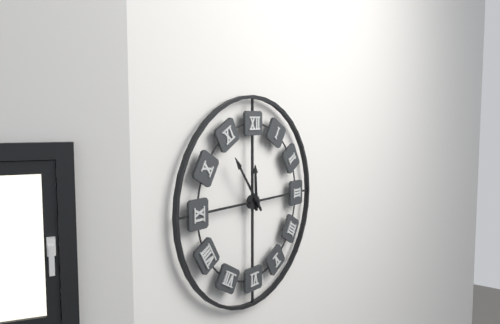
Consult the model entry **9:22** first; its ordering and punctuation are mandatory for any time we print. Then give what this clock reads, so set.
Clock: **11:54**
